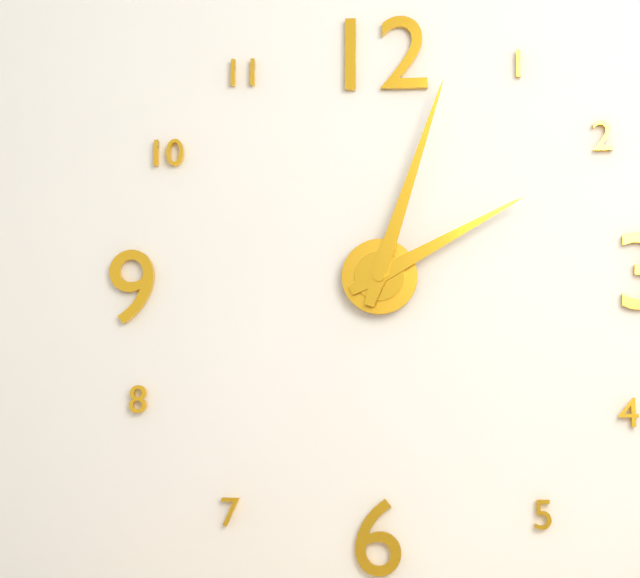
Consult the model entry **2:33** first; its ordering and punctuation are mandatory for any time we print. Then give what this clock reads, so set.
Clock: **2:03**
